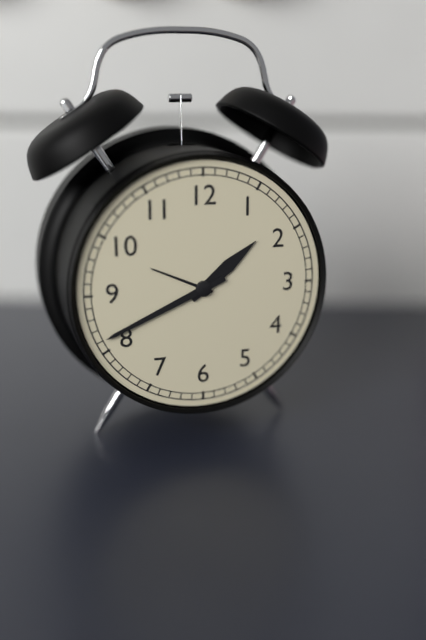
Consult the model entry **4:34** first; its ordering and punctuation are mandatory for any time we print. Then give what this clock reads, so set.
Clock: **1:41**
